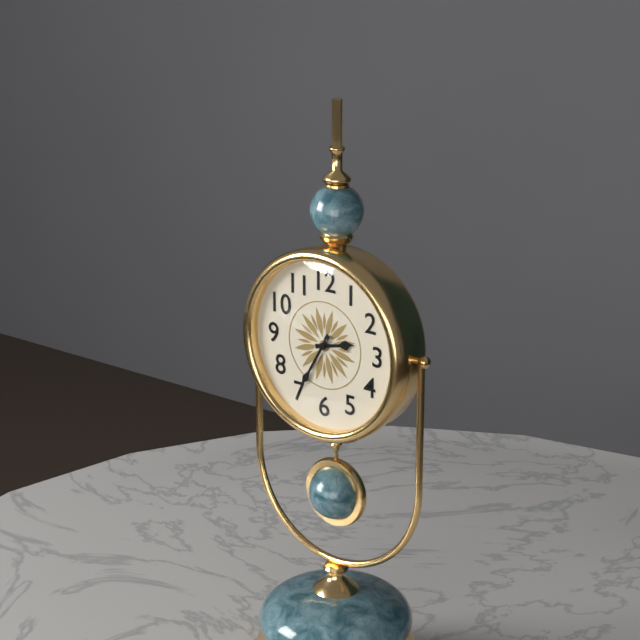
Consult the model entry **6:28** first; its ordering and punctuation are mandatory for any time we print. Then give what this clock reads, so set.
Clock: **2:35**
